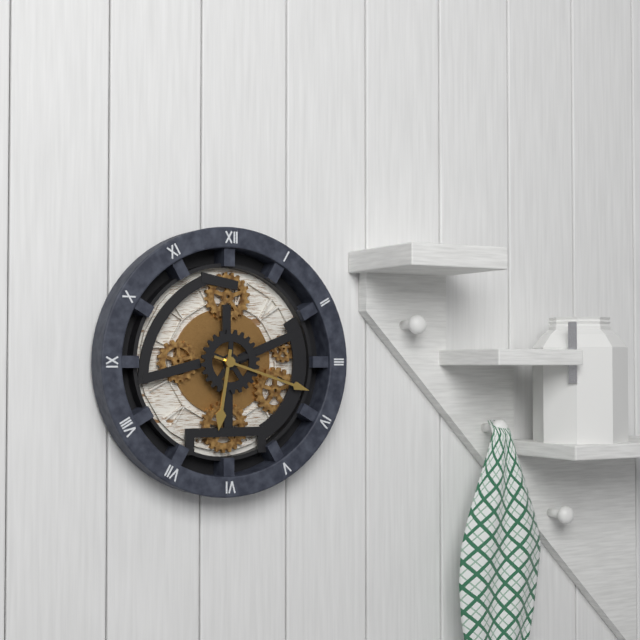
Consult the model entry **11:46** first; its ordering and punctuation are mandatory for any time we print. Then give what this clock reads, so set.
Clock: **6:18**
